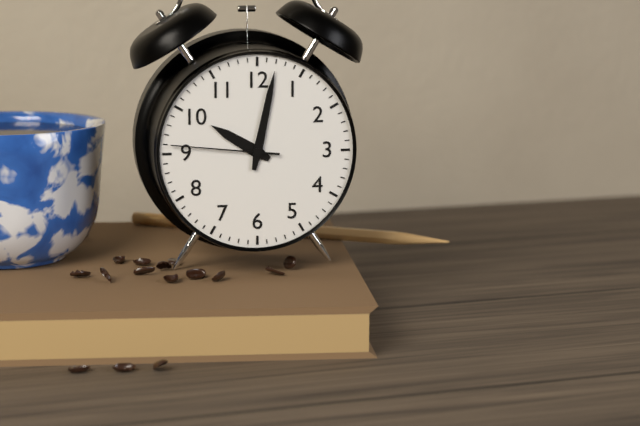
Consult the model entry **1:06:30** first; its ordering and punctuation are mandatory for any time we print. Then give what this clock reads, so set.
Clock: **10:02:46**
